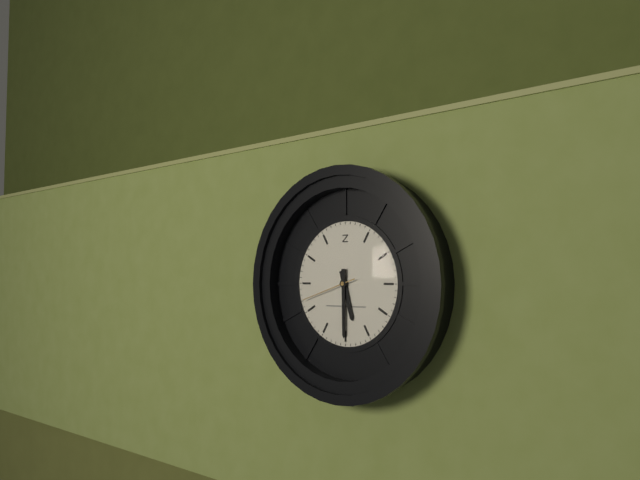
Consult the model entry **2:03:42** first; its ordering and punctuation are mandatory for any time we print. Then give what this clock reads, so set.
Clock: **5:30:42**
